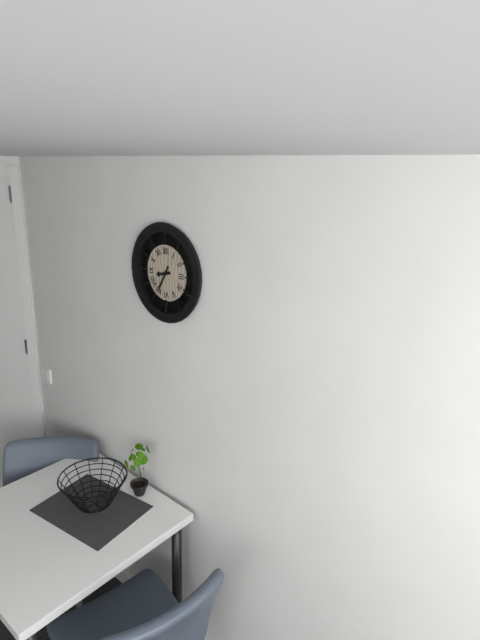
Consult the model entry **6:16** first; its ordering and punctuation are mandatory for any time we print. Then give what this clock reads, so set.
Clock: **8:35**
